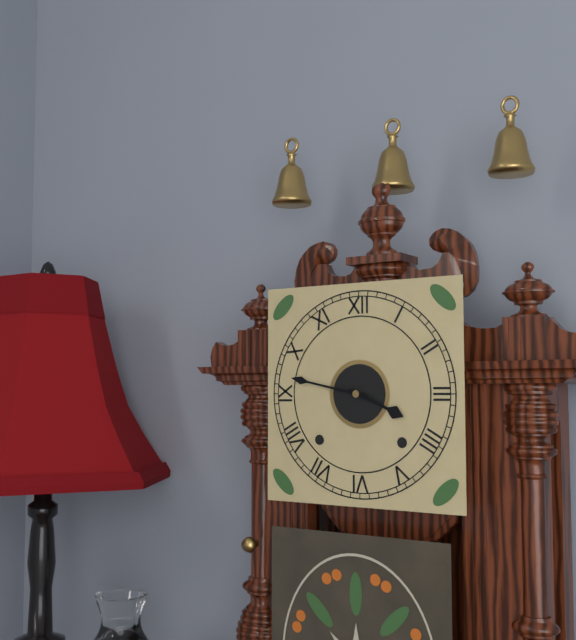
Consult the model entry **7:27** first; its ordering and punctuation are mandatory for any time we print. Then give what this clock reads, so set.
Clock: **3:47**
